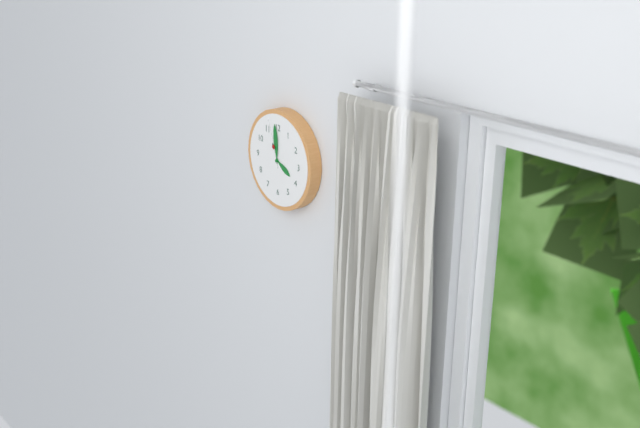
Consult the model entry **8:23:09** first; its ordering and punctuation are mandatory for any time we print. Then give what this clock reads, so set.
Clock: **3:59:57**
